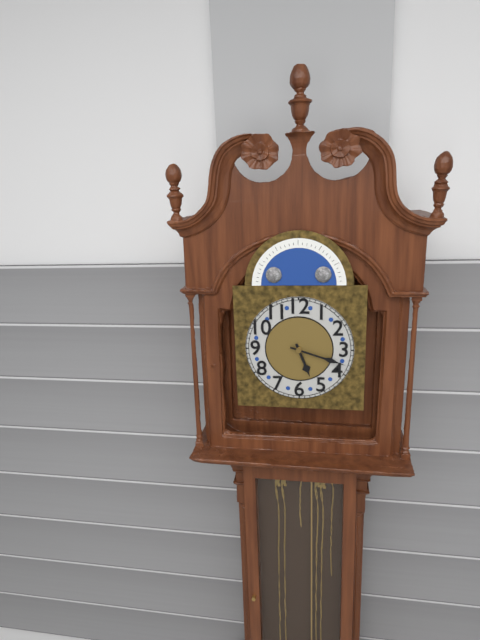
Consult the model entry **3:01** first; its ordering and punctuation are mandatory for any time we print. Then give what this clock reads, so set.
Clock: **5:18**
